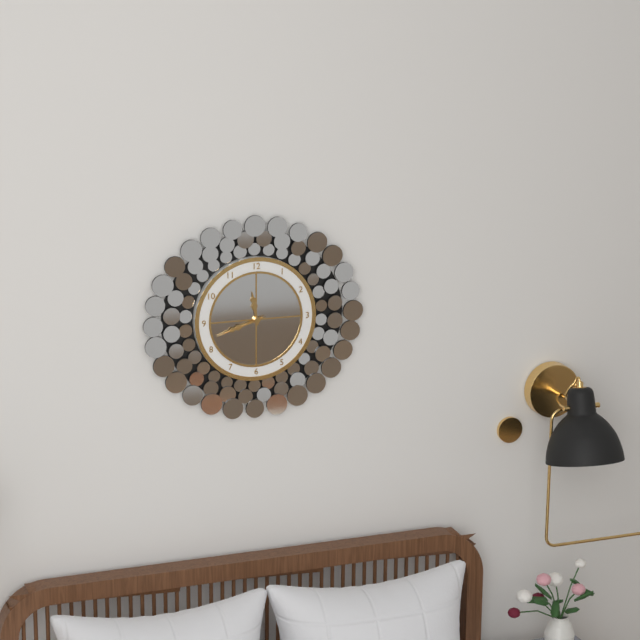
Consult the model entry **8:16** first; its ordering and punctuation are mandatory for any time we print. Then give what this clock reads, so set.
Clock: **11:42**
